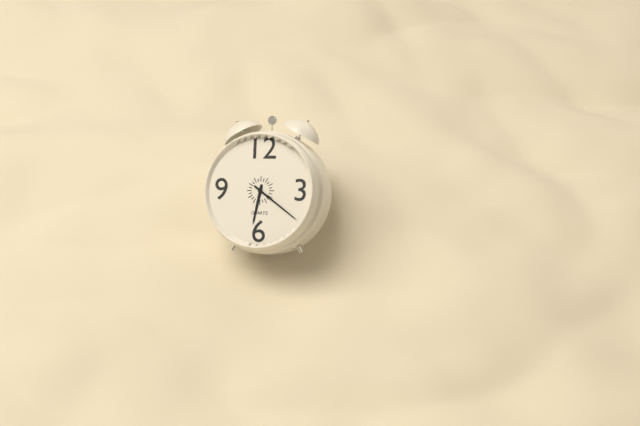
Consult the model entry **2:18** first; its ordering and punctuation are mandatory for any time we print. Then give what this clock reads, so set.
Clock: **6:21**
